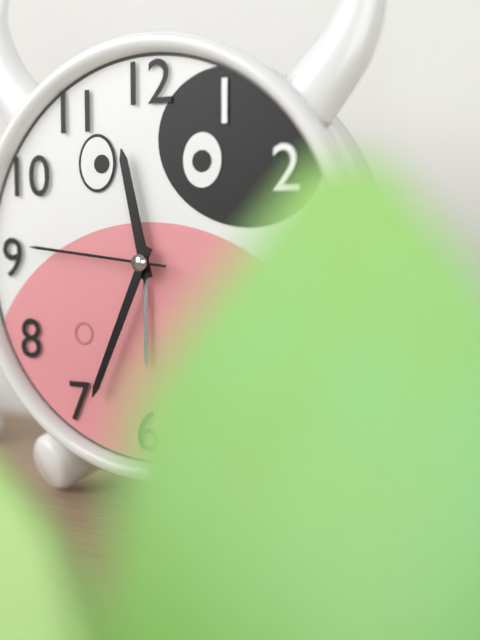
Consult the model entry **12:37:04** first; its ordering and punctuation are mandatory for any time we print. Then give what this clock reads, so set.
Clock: **11:34:46**
